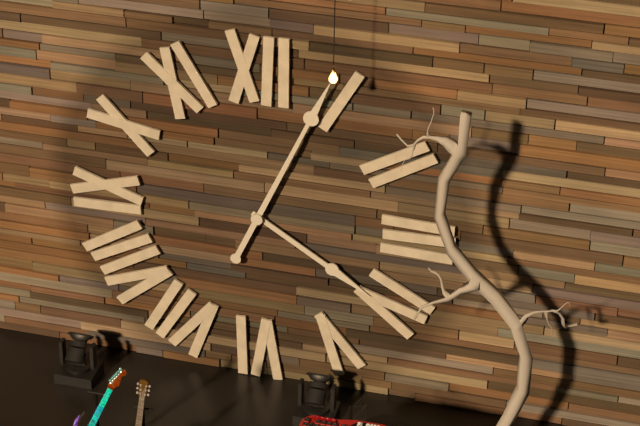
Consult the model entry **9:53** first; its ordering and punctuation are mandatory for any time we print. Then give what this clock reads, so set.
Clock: **4:04**
